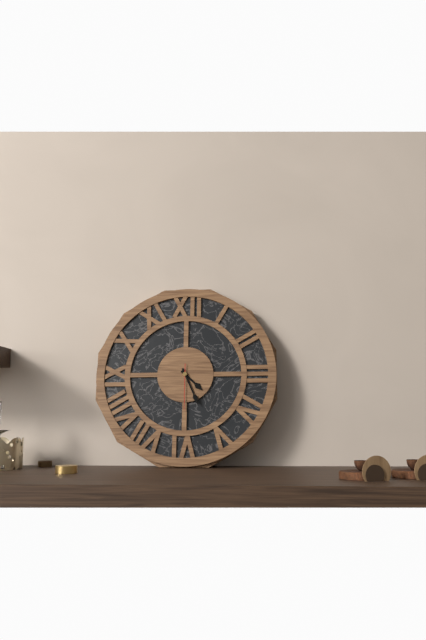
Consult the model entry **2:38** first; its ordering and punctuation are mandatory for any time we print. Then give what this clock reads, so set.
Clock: **4:26**
